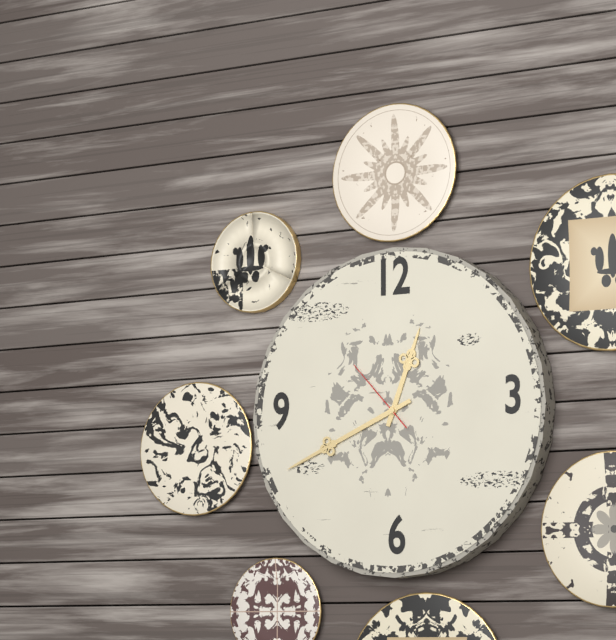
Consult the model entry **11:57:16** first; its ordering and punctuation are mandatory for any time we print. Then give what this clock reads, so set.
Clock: **12:41:53**
